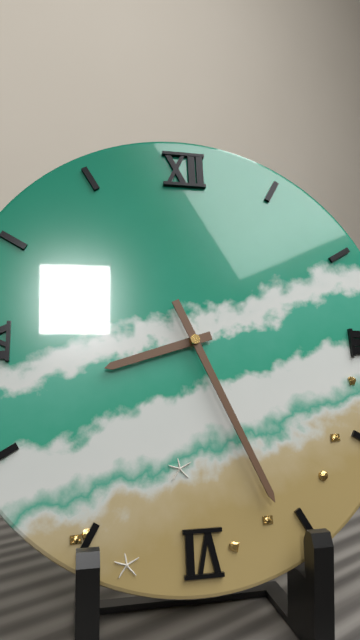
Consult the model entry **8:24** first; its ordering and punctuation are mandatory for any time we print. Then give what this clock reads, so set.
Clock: **8:26**
